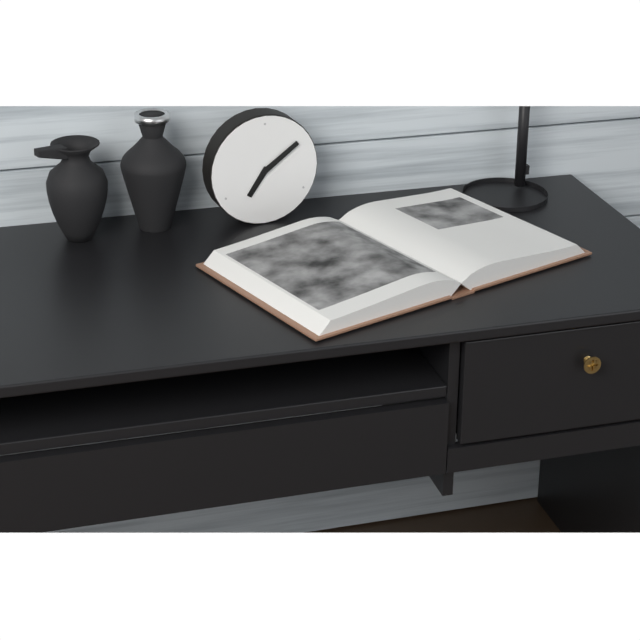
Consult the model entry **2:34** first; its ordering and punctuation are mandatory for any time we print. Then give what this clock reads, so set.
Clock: **7:09**
